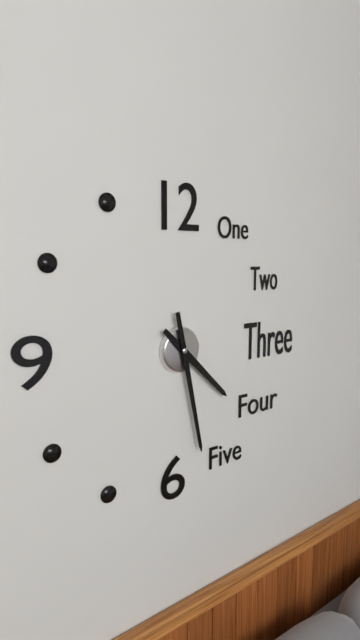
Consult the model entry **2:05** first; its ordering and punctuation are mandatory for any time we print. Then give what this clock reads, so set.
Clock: **4:28**
